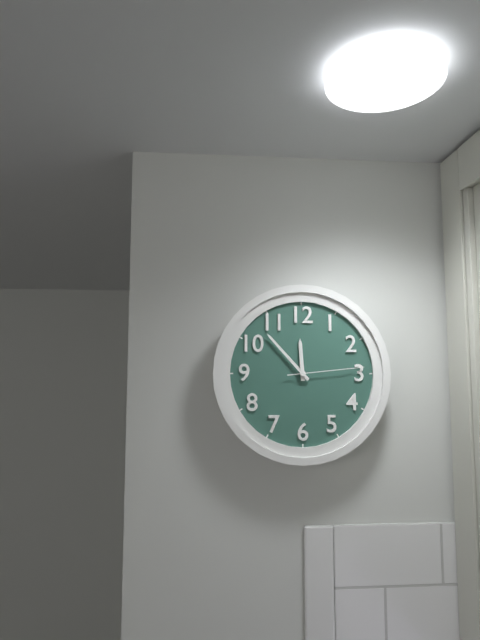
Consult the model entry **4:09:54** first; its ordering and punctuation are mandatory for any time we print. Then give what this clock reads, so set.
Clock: **11:53:14**
